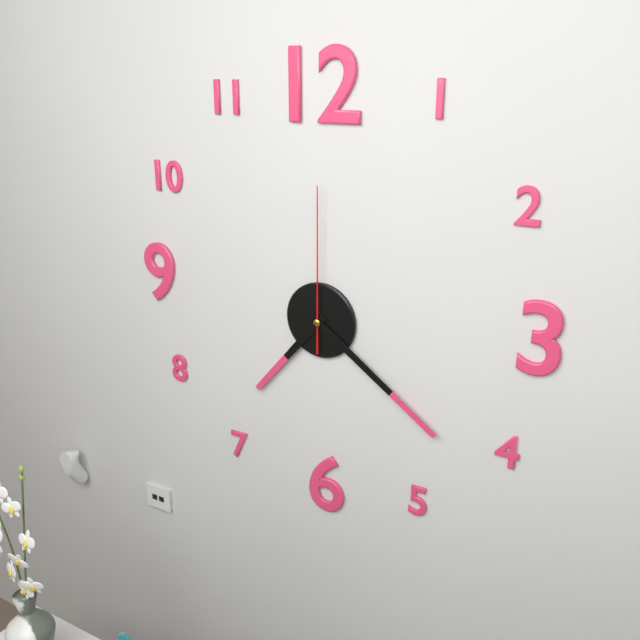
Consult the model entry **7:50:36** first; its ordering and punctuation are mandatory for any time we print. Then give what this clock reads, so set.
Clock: **7:21:00**
